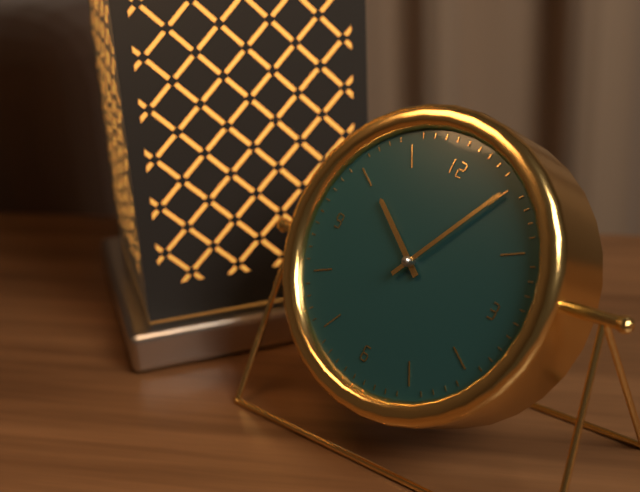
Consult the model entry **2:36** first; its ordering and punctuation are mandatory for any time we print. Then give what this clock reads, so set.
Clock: **10:05**
